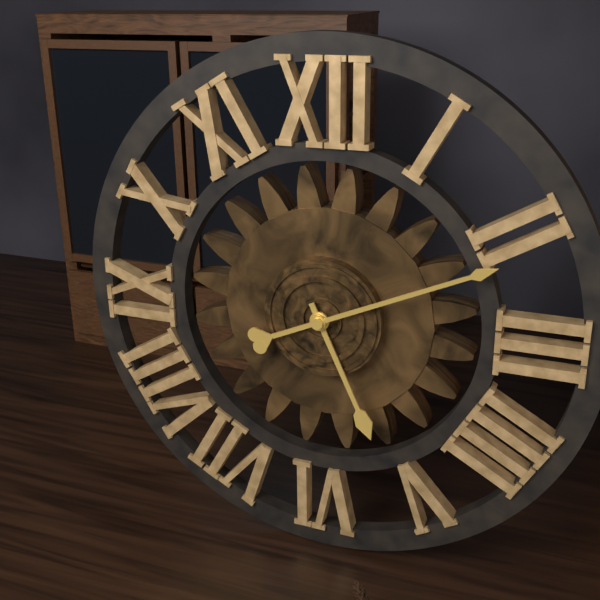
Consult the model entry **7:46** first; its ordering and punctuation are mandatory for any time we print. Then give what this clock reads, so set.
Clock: **5:11**
